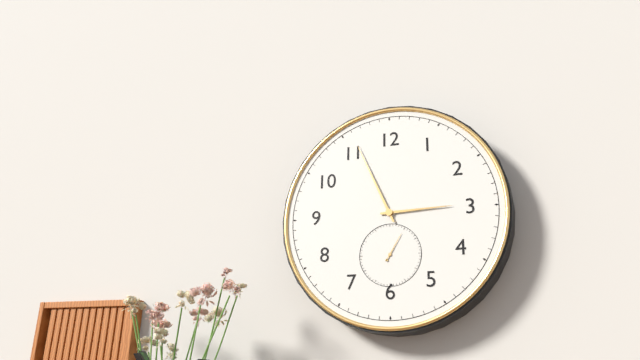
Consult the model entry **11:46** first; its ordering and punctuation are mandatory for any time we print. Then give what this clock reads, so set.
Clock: **2:56**
